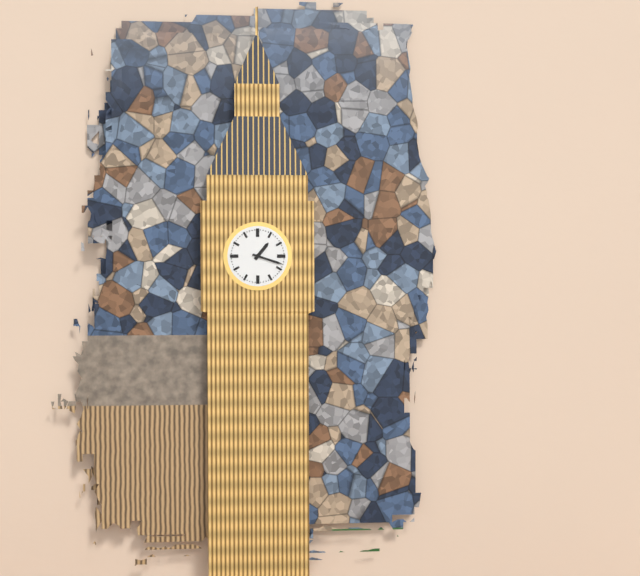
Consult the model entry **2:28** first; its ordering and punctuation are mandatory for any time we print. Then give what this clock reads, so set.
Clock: **1:18**
